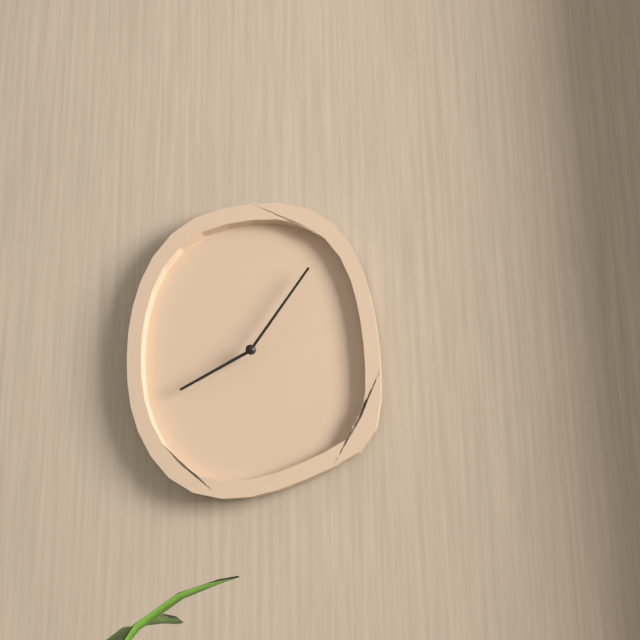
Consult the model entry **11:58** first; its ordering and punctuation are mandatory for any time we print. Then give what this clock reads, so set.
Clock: **8:06**
